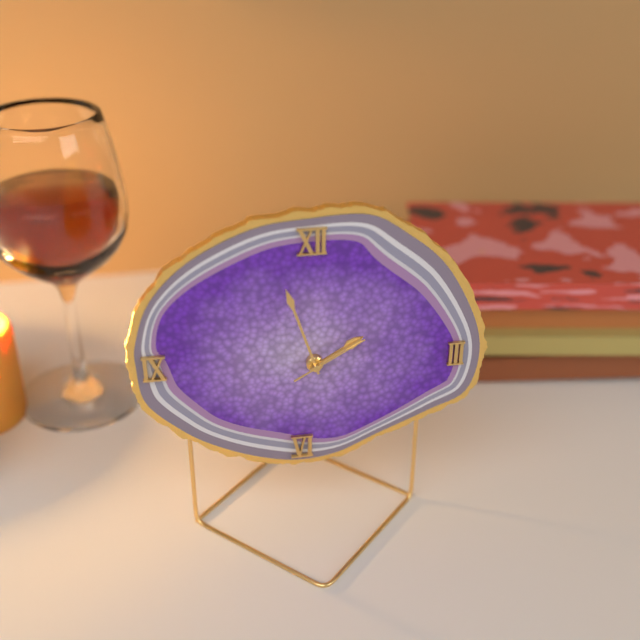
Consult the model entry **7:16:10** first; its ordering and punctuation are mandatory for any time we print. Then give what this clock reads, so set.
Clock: **1:57:10**
